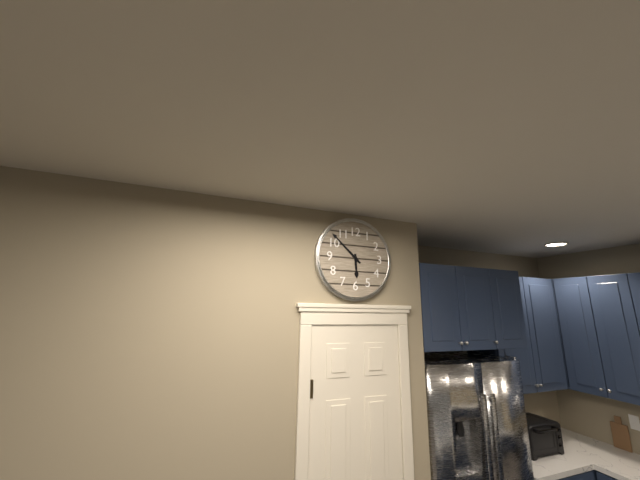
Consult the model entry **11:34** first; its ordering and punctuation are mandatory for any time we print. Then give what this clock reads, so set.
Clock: **5:52**
